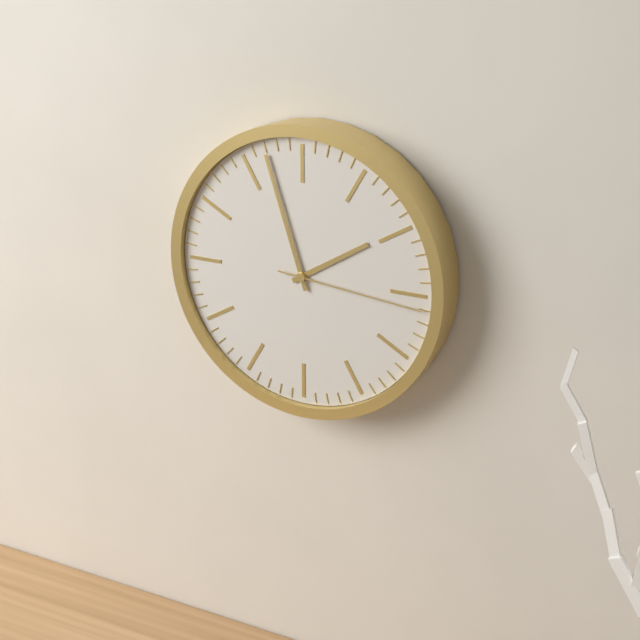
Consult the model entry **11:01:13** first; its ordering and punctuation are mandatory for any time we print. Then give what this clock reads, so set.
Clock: **1:57:16**
